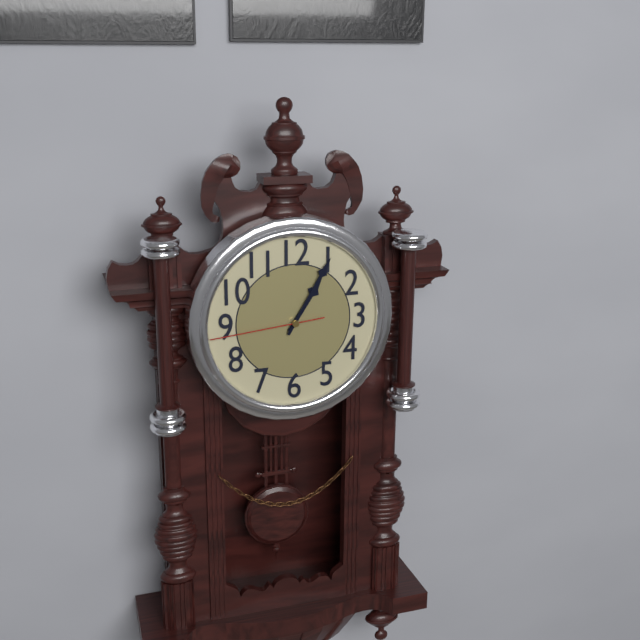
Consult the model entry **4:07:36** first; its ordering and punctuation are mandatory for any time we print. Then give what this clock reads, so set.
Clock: **1:05:44**
